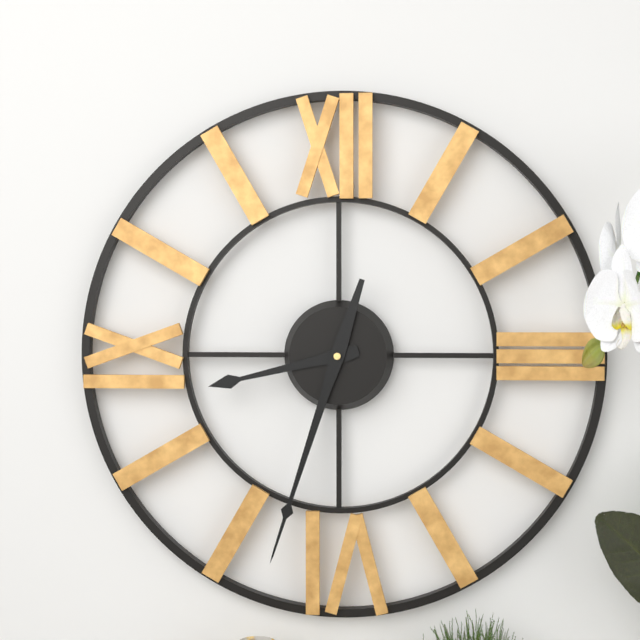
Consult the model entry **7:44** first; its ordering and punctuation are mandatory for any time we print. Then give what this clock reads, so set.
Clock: **8:33**
